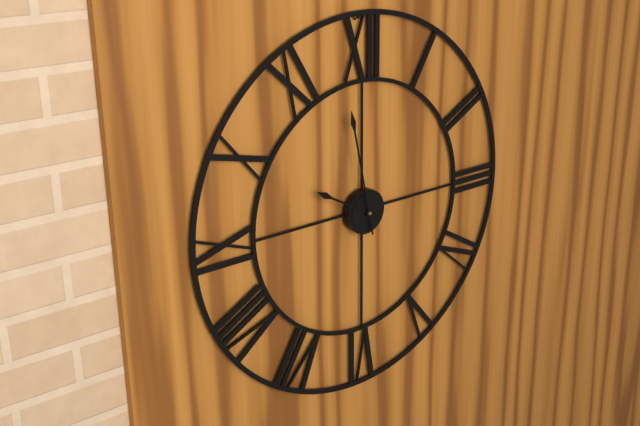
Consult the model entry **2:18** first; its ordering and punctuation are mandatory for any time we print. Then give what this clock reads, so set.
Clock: **9:58**
